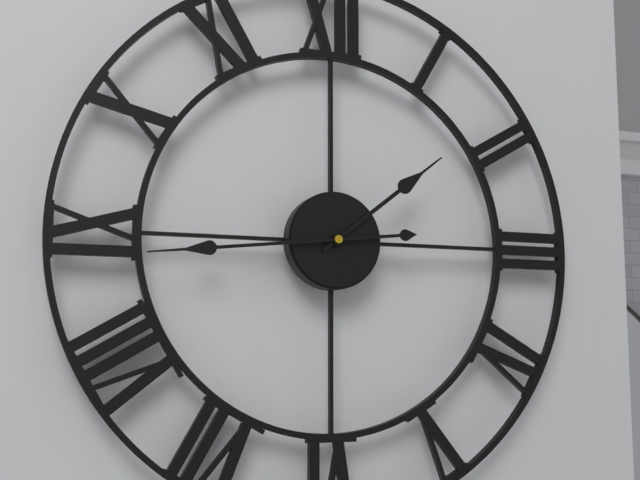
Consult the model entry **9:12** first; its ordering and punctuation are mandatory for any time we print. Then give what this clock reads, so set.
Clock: **1:44**
